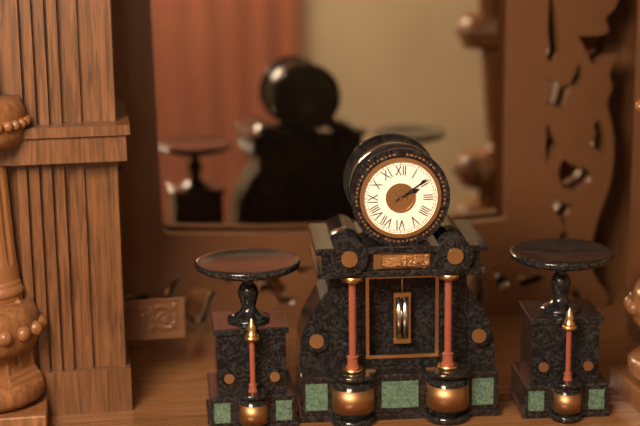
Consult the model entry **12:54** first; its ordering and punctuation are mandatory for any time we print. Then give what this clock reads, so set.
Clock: **2:09**
